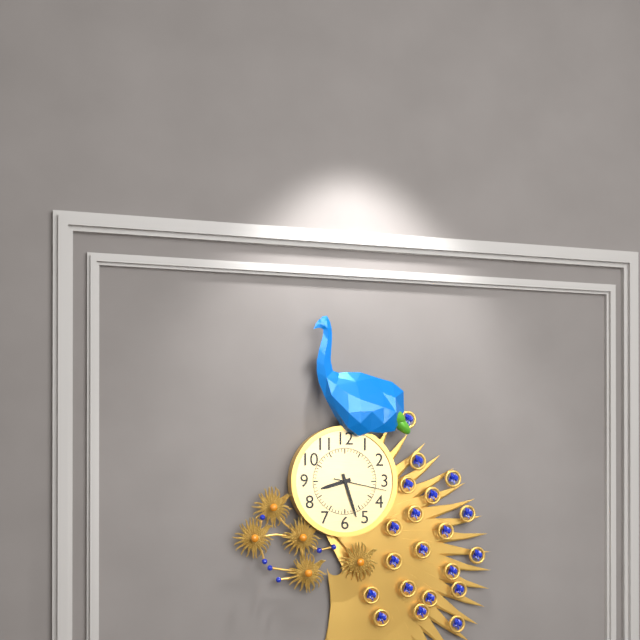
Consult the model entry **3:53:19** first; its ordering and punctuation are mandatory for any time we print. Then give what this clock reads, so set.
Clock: **8:27:17**
